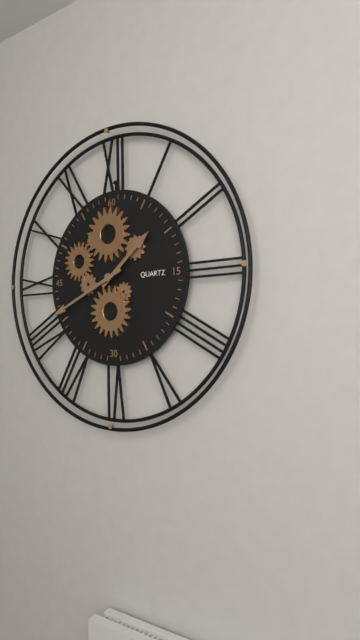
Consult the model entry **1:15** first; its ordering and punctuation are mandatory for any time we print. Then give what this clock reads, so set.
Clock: **1:41**
